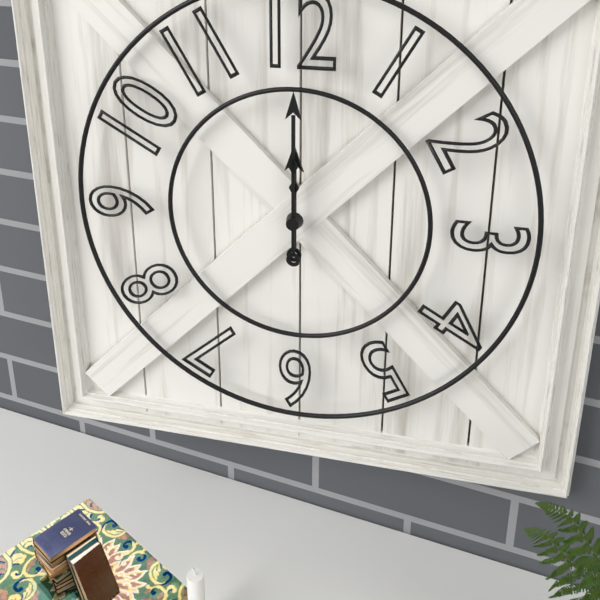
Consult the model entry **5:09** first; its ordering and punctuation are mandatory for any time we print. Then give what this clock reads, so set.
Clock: **12:00**
